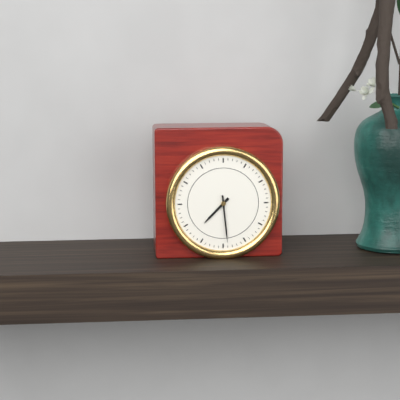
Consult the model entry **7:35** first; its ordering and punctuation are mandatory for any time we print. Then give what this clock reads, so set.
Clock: **7:29**
